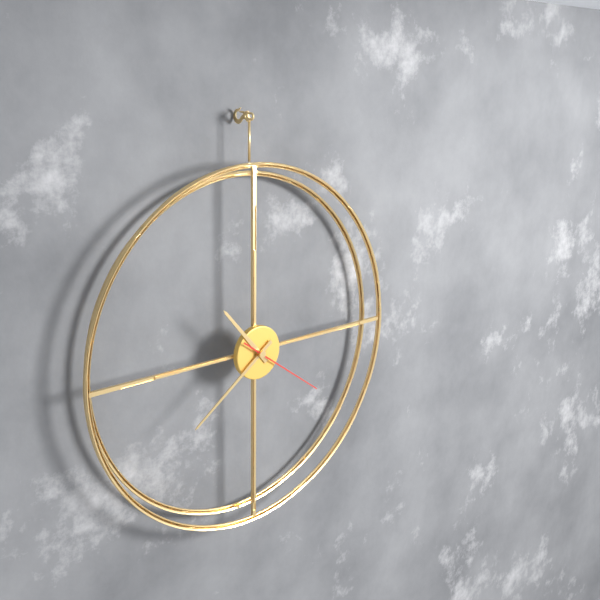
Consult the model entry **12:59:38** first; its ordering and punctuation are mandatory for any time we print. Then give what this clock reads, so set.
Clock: **10:39:21**
